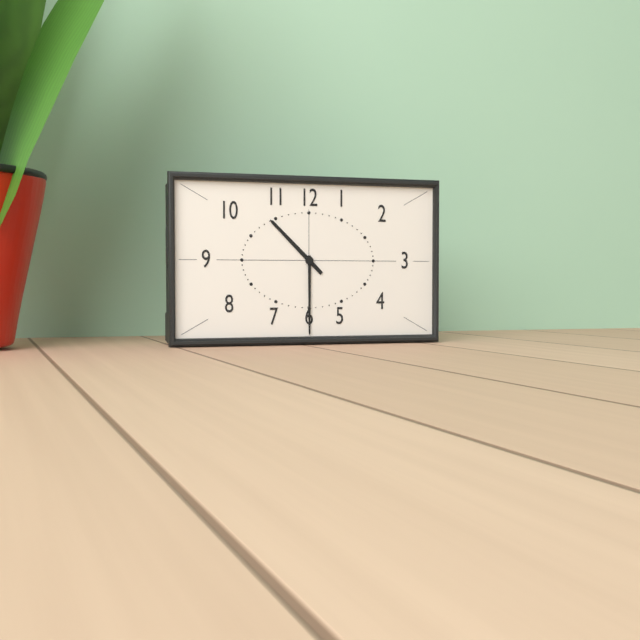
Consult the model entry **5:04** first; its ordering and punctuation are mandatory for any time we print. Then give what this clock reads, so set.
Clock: **10:30**
